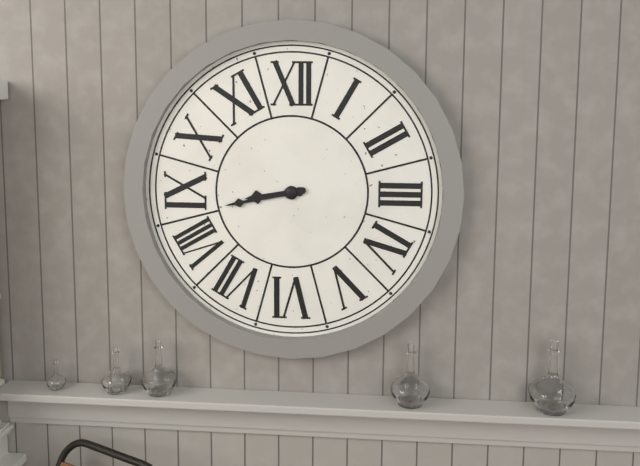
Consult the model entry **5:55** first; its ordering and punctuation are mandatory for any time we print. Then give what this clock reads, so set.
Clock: **8:43**
